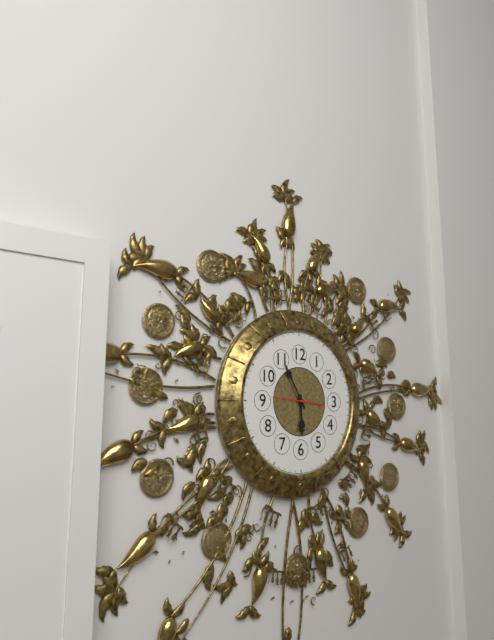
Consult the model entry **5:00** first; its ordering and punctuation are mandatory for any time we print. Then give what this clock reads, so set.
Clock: **5:55**
